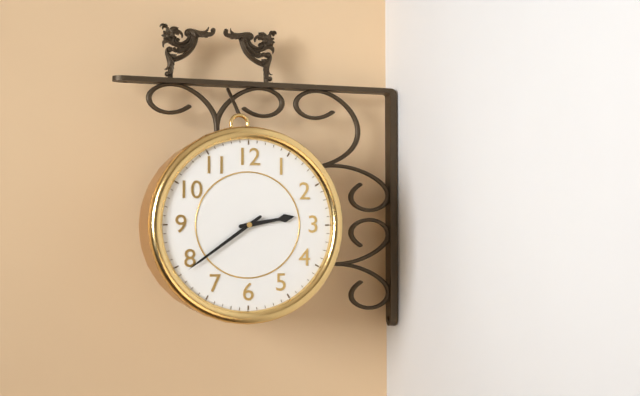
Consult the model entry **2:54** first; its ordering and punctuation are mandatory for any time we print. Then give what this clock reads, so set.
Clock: **2:39**
